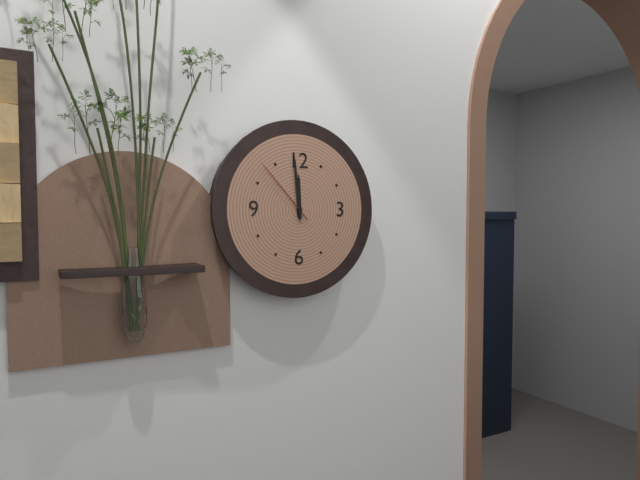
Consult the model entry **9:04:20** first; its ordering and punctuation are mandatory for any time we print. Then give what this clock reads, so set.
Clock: **11:59:53**
